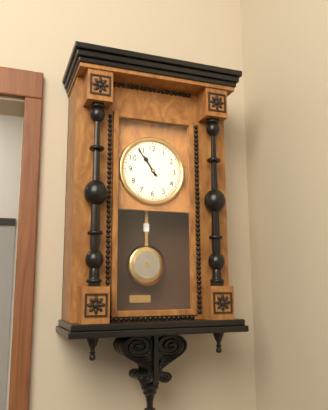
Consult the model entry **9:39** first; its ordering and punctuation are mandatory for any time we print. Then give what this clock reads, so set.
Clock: **10:54**
